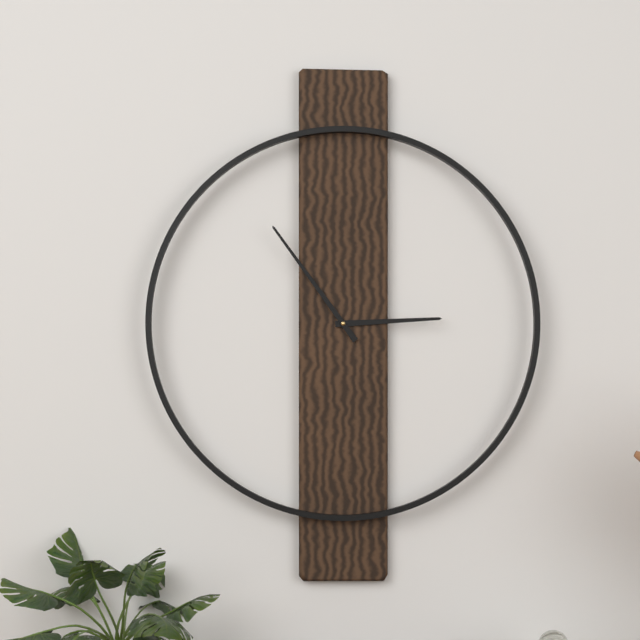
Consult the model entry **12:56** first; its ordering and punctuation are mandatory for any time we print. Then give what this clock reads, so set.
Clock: **2:54**
